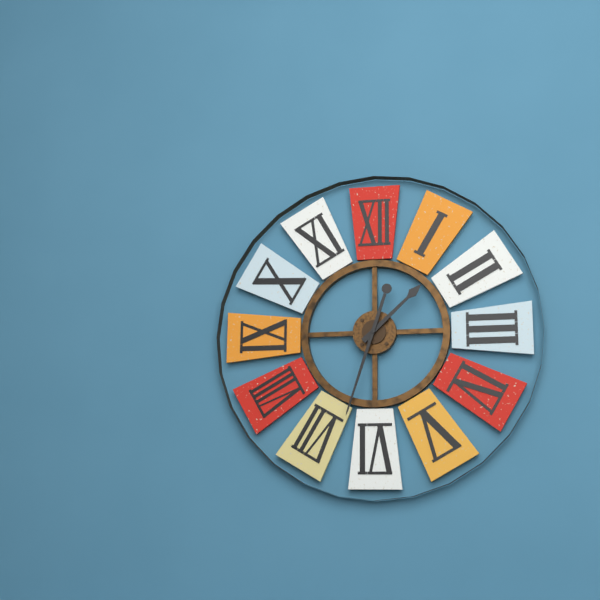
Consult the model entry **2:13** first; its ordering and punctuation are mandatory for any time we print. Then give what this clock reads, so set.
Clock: **1:33**
